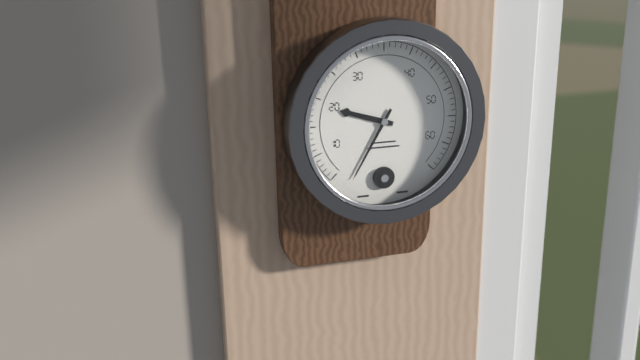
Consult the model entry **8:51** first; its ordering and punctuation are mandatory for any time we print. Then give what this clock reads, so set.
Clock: **9:35**
